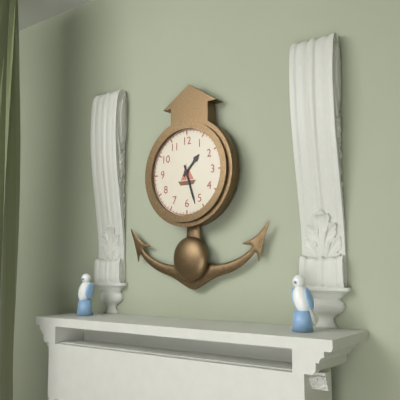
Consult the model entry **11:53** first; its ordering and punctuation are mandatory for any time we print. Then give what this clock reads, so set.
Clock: **1:27**
